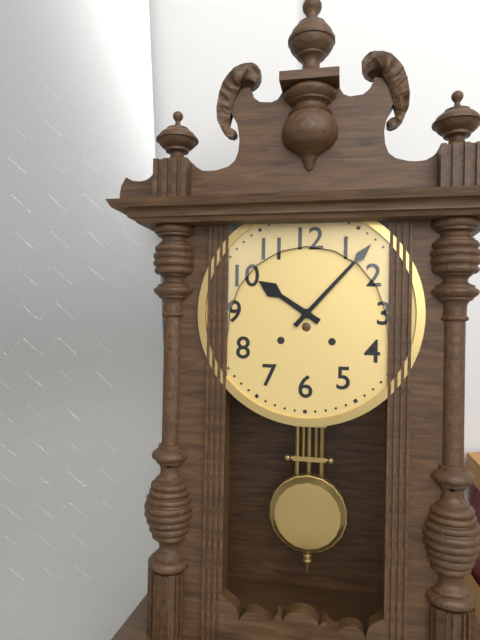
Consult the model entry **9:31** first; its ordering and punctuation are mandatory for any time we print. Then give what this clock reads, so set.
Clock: **10:07**
